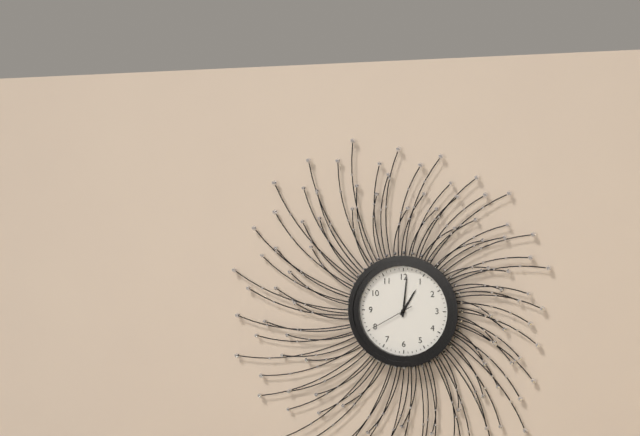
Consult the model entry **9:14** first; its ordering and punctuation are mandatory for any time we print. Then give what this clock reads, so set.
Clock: **1:01**
